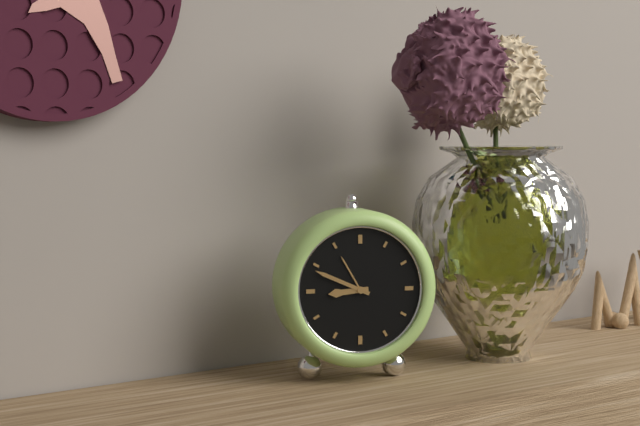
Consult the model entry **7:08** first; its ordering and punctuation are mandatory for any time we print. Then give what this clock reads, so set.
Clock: **8:49**
